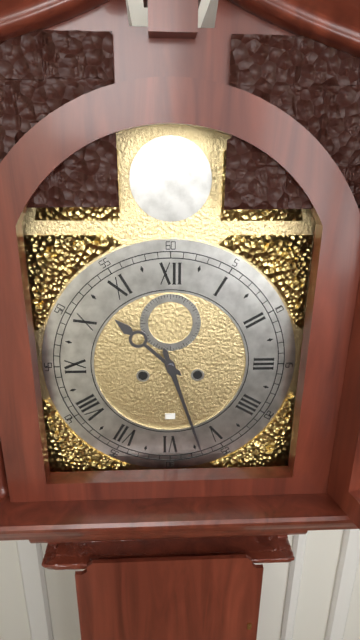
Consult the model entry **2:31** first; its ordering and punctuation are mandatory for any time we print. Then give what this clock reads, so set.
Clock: **10:27**
